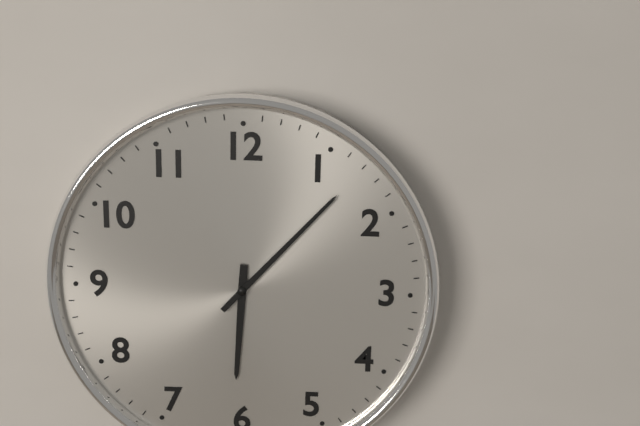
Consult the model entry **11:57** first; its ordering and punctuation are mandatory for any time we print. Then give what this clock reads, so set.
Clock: **6:07**
